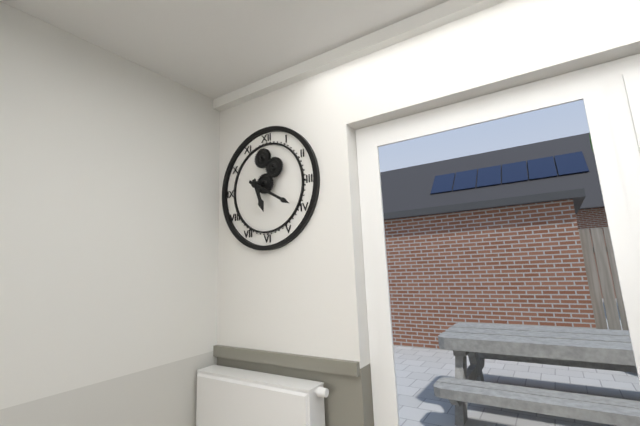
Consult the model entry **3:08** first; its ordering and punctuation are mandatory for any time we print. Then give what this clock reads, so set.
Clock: **5:20**
